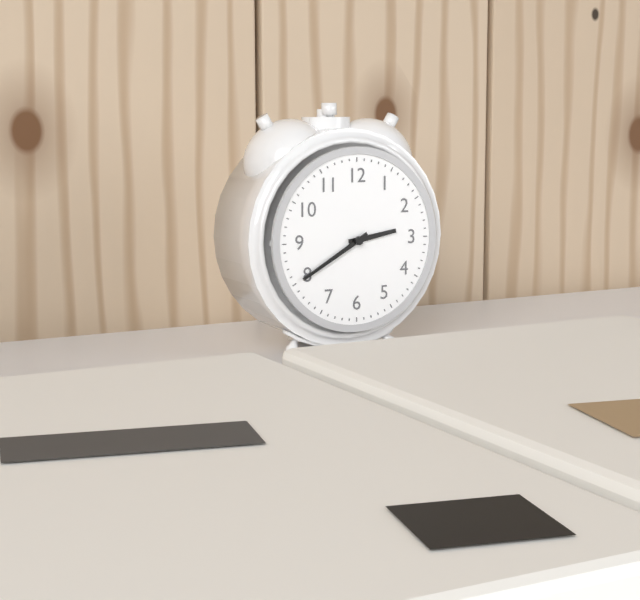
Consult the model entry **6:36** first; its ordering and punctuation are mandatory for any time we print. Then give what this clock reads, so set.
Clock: **2:40**
